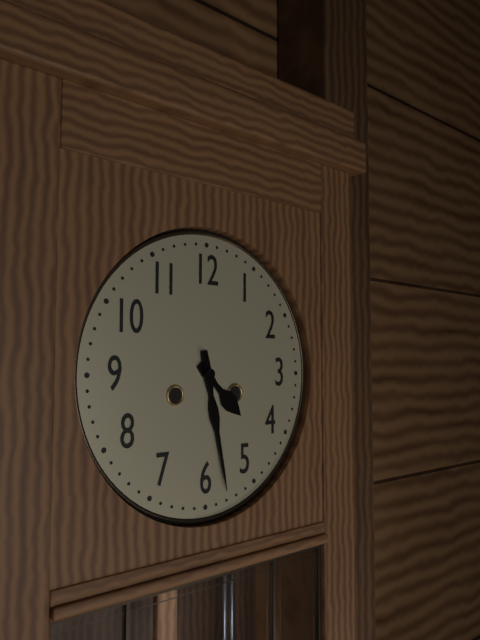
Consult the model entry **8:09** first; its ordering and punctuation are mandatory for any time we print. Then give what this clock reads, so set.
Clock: **4:28**
